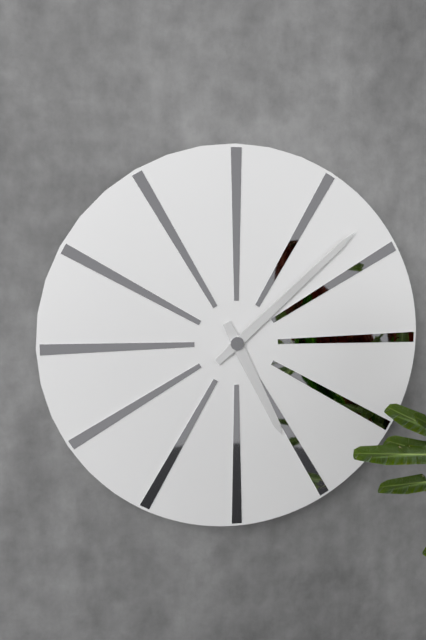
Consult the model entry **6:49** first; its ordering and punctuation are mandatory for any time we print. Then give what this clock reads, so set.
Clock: **5:08**
